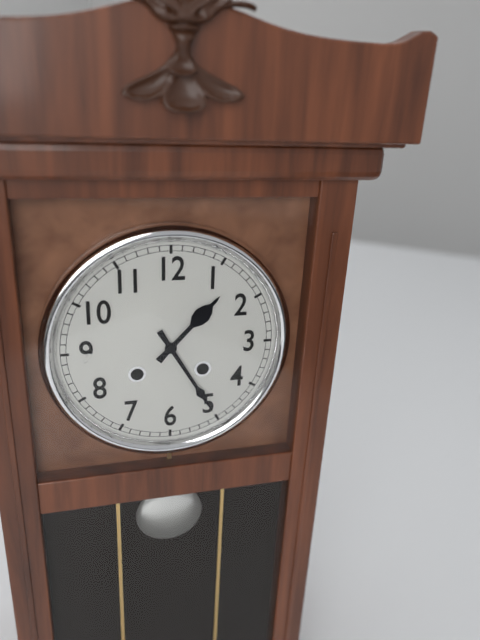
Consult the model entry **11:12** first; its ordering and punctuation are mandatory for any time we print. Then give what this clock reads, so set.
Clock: **1:25**
